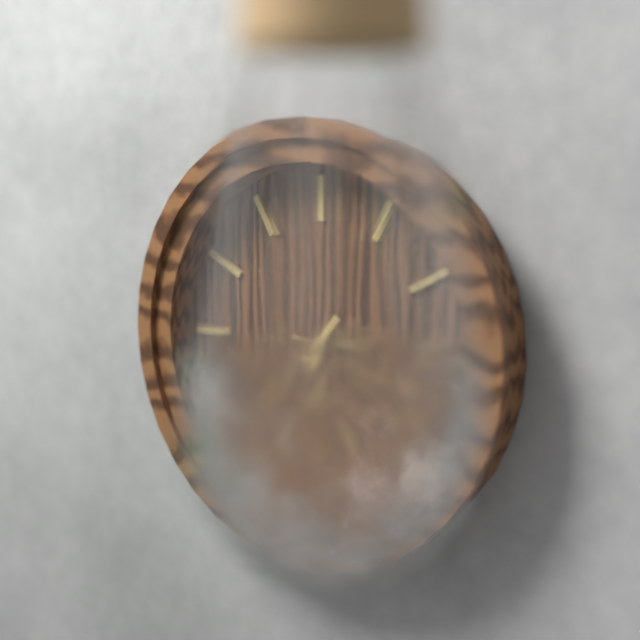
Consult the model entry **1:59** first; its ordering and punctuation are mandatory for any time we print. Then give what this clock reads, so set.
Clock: **7:16**
